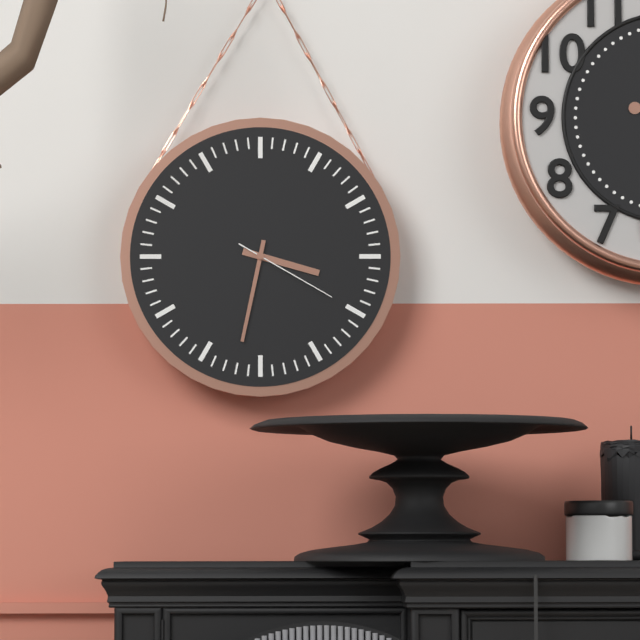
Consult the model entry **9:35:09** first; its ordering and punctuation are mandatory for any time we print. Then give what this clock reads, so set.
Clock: **3:32:20**
